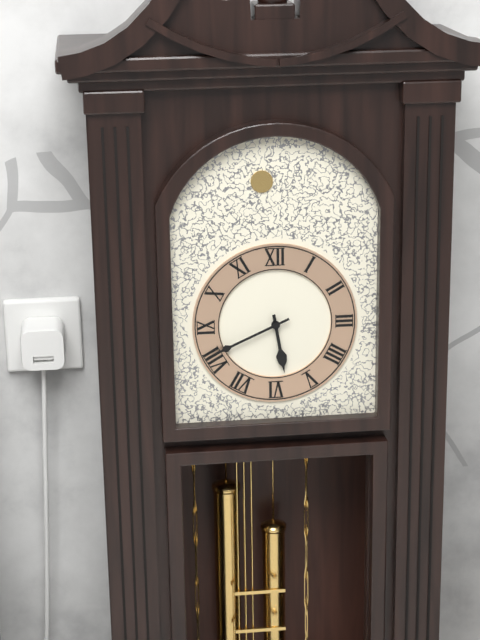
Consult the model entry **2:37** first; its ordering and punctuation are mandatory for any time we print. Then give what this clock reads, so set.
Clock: **5:41**
